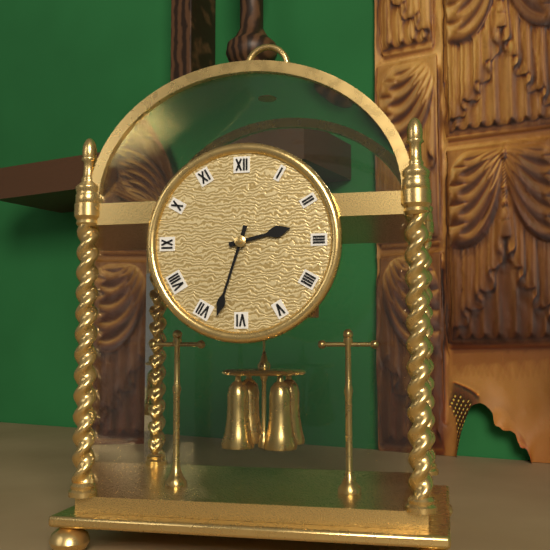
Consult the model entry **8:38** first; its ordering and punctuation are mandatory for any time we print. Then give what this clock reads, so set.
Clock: **2:33**
